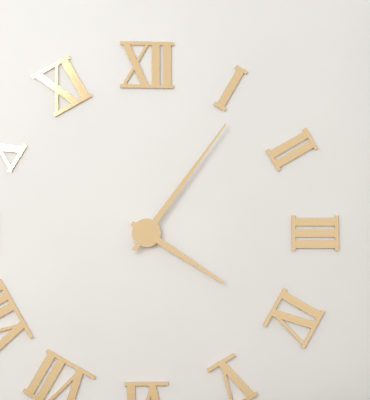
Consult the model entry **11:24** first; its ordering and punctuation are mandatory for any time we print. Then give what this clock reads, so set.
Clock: **4:06**
